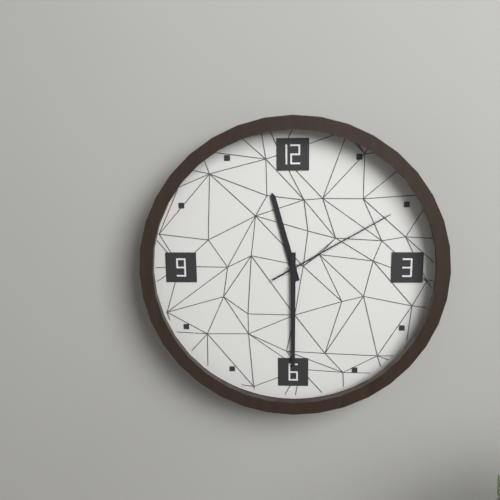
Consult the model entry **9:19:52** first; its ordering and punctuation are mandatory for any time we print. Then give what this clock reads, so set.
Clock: **11:30:10**
